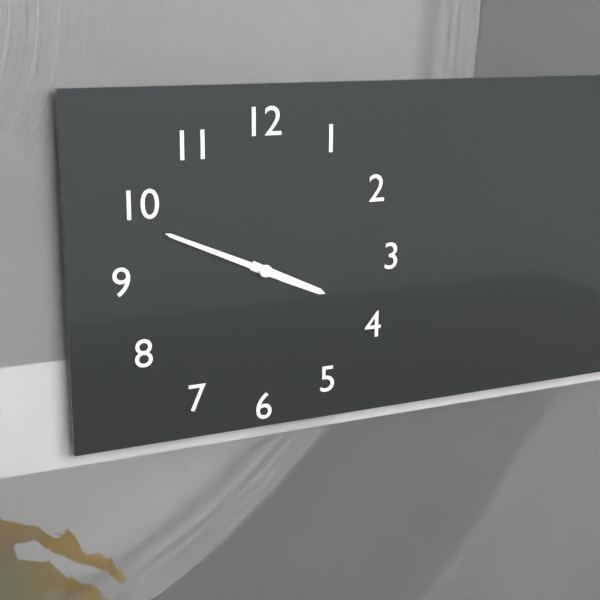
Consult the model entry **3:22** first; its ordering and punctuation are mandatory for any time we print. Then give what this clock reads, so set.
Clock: **3:49**
